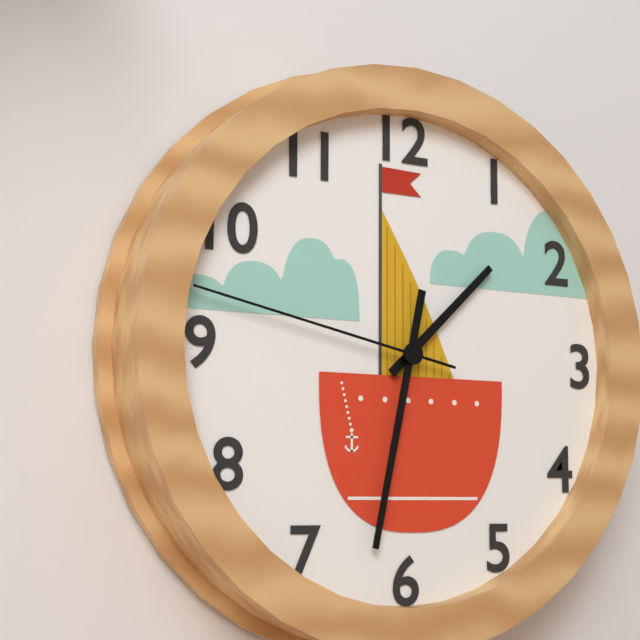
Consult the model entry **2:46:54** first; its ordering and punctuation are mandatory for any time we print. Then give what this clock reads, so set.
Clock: **1:32:47**
